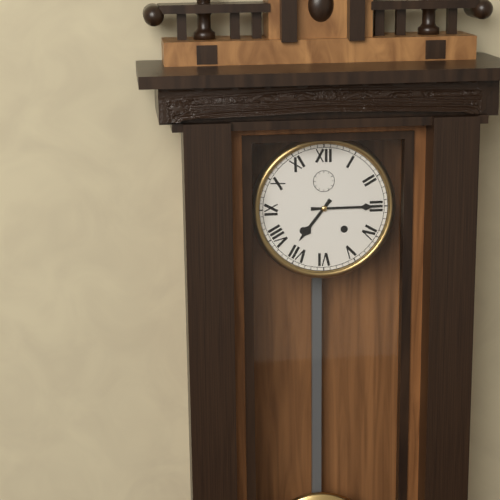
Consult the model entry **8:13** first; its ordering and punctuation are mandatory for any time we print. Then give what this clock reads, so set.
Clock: **7:15**
